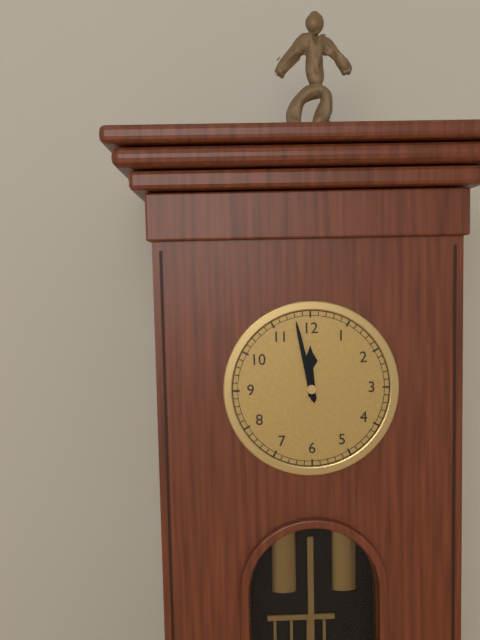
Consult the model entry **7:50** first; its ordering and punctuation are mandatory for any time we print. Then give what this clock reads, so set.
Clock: **11:58**
